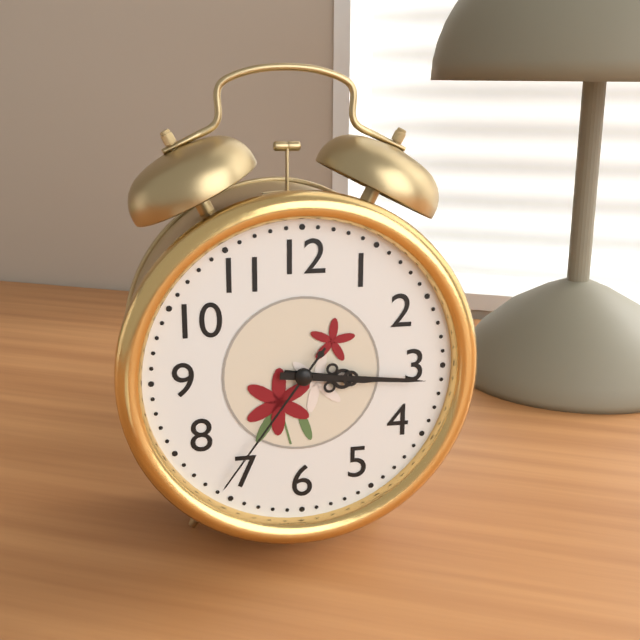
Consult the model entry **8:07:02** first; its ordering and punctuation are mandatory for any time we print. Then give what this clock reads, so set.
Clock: **3:16:36**
